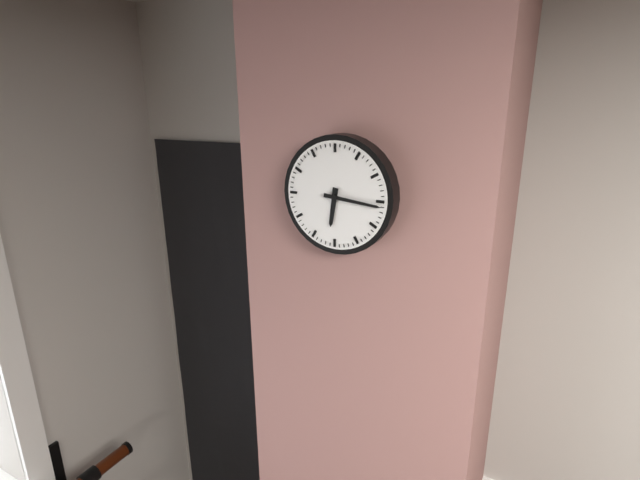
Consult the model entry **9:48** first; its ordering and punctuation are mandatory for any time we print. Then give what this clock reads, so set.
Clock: **6:16**
